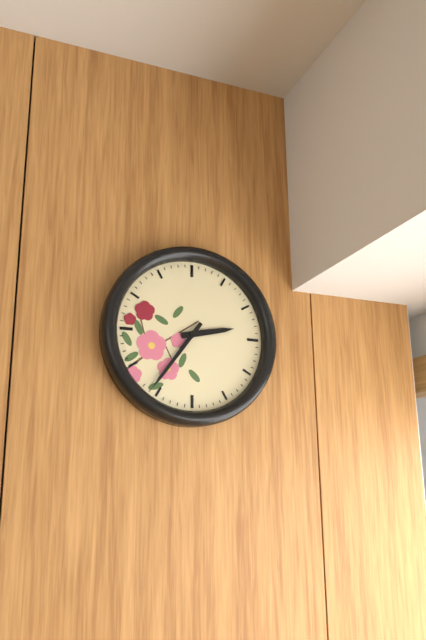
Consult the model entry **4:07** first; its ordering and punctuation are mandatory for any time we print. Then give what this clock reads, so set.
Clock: **2:36**
